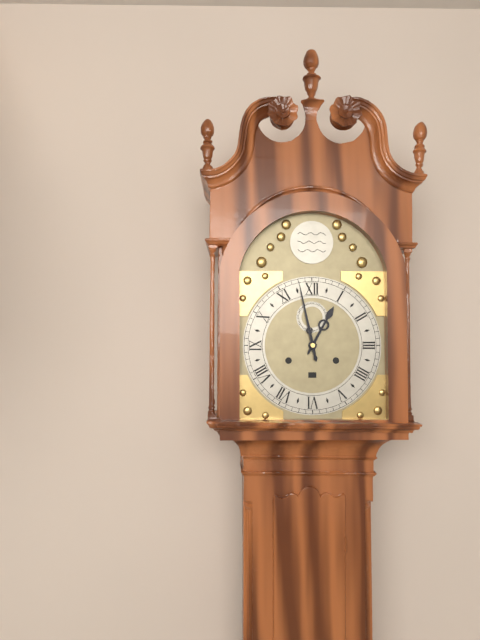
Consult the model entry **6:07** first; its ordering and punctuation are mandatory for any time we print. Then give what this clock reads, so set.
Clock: **12:58**
